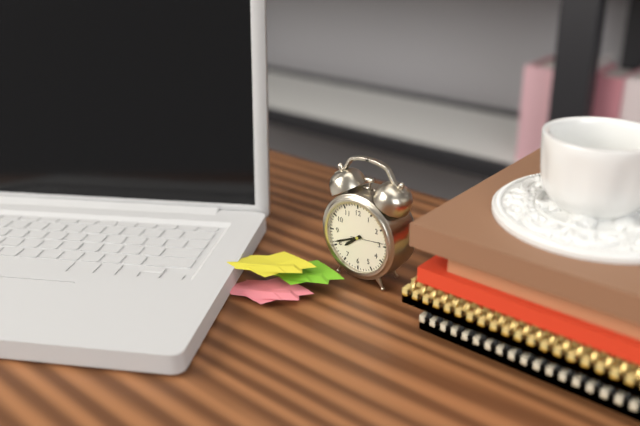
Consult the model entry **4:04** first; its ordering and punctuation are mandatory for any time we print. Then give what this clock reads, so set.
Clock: **7:41**
